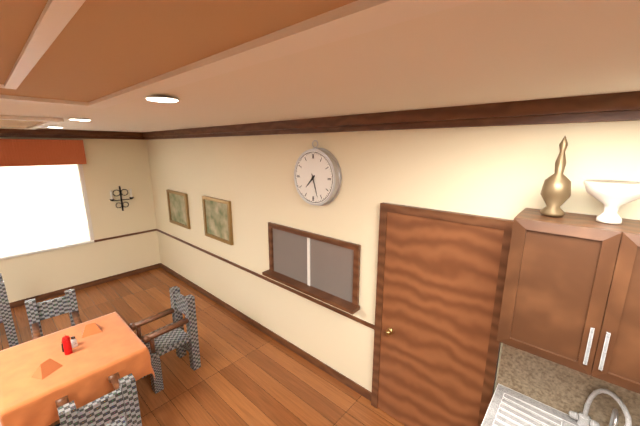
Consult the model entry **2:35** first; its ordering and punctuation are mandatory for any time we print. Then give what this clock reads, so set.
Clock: **7:27**
